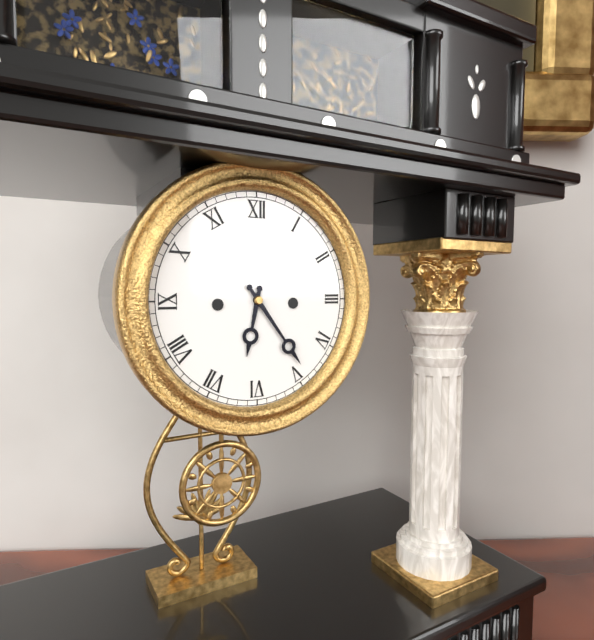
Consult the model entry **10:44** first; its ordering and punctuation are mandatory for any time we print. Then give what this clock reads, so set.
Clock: **6:24**
